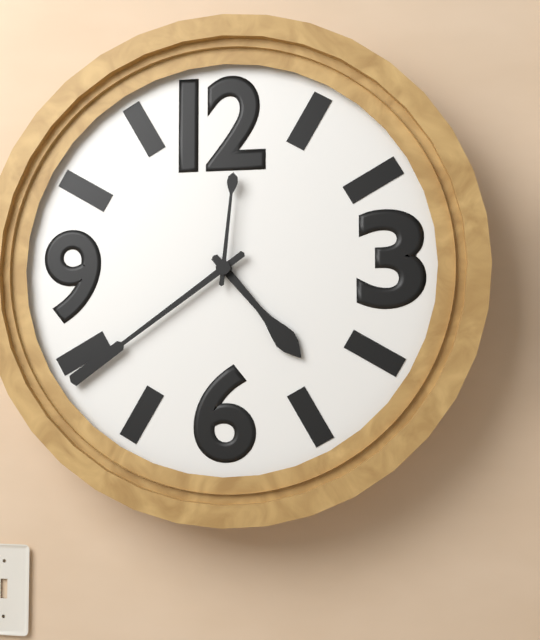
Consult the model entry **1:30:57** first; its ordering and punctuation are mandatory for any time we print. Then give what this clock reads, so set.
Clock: **4:39:01**
